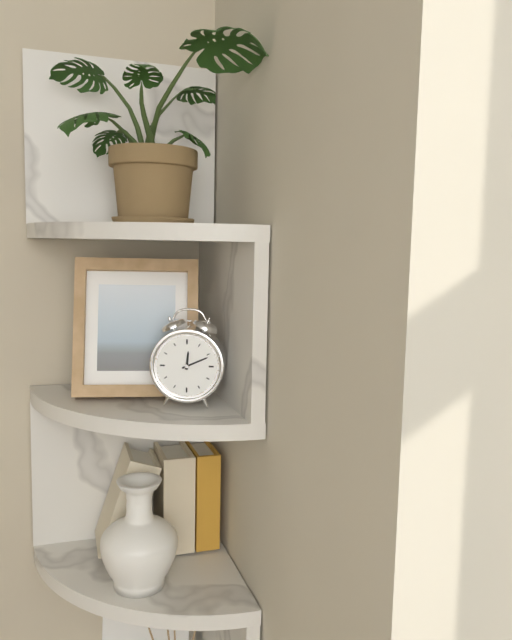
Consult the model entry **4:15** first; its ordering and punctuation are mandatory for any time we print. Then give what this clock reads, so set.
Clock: **12:11**
